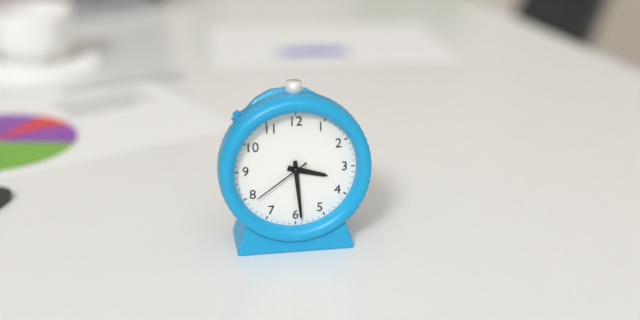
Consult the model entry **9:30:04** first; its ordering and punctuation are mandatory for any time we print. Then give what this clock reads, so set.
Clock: **3:29:39**
